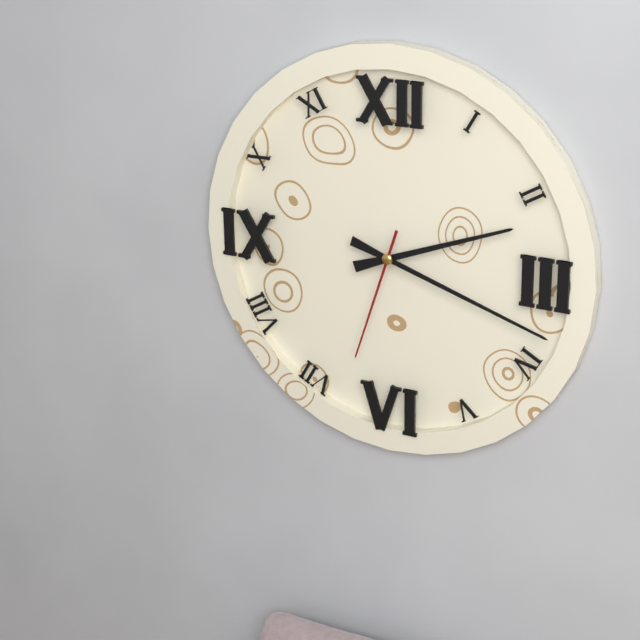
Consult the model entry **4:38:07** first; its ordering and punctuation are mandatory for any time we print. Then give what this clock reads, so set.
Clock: **2:18:33**
